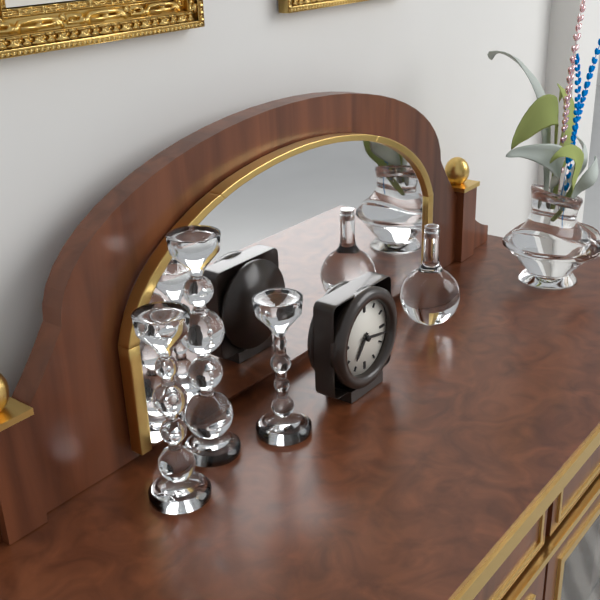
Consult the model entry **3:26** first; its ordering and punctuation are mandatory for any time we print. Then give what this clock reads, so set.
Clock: **7:17**
